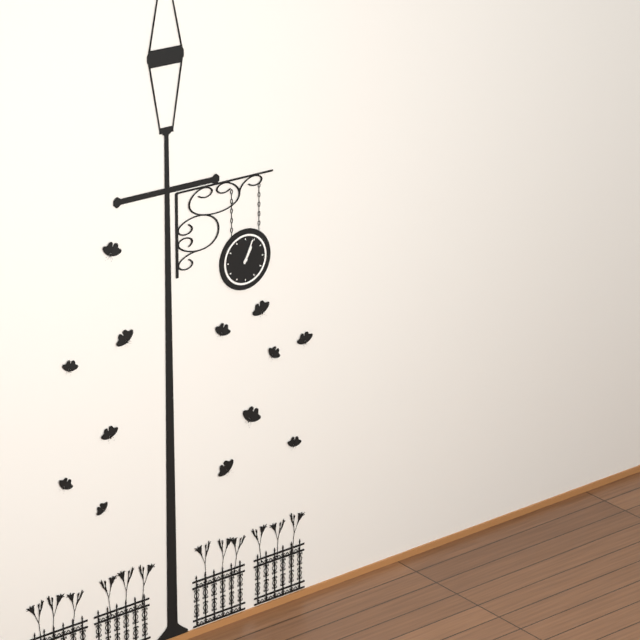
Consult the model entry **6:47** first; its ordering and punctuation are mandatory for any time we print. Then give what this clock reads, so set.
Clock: **1:04**
